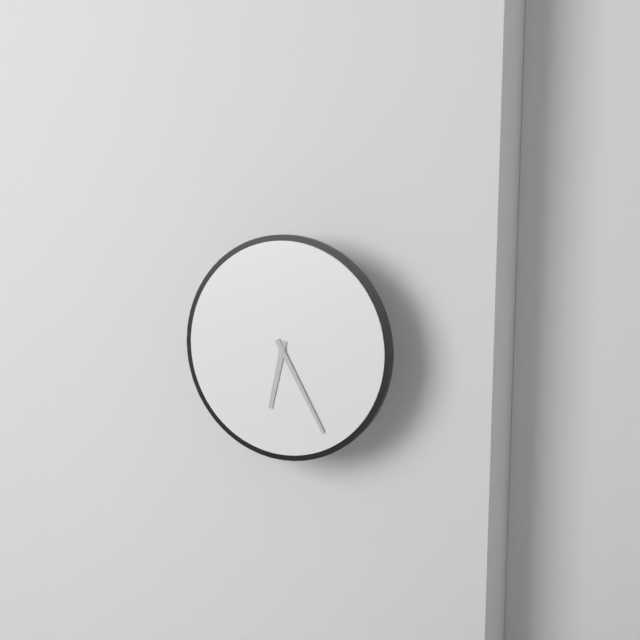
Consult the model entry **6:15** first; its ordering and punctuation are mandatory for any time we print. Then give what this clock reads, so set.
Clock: **6:25**
